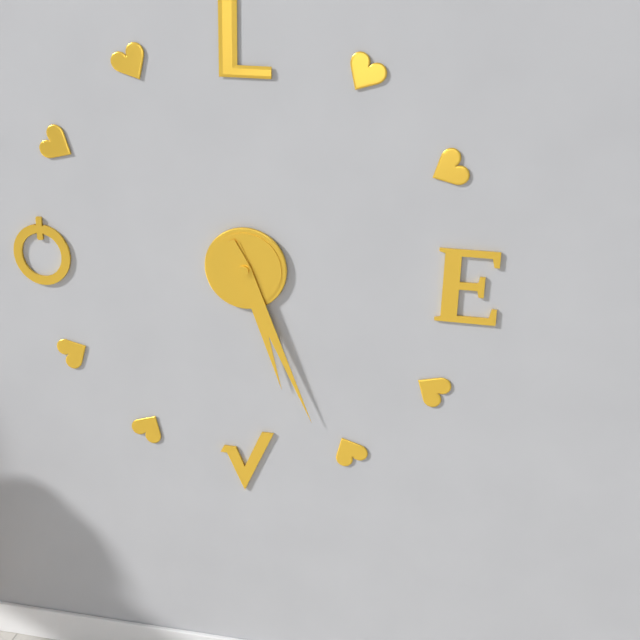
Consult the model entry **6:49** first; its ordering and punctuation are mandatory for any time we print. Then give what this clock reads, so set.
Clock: **5:26**
